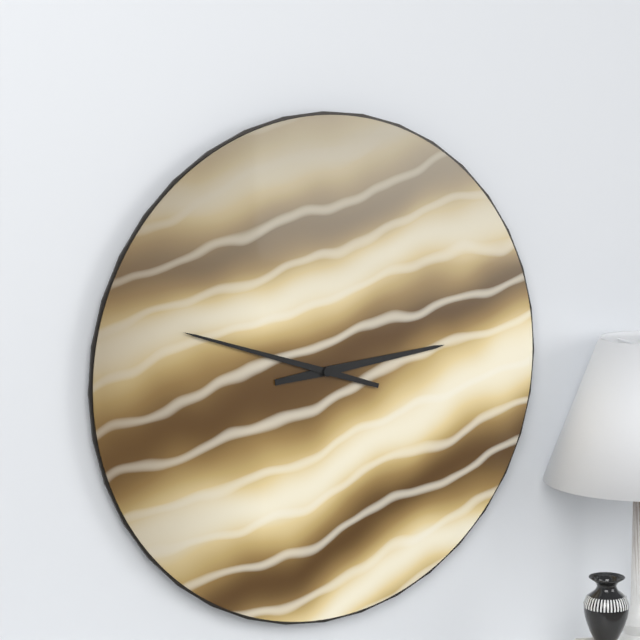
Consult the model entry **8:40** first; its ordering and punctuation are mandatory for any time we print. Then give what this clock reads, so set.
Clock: **2:48**
